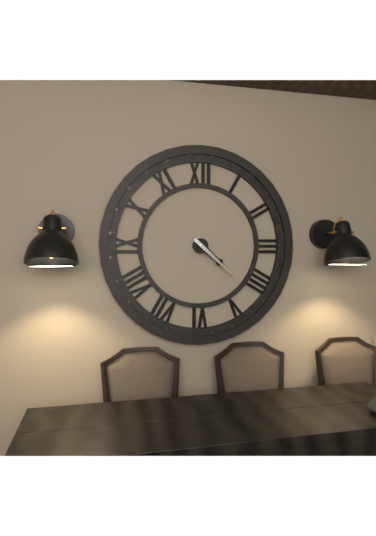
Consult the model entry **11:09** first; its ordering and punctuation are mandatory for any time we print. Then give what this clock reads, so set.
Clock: **4:22**
